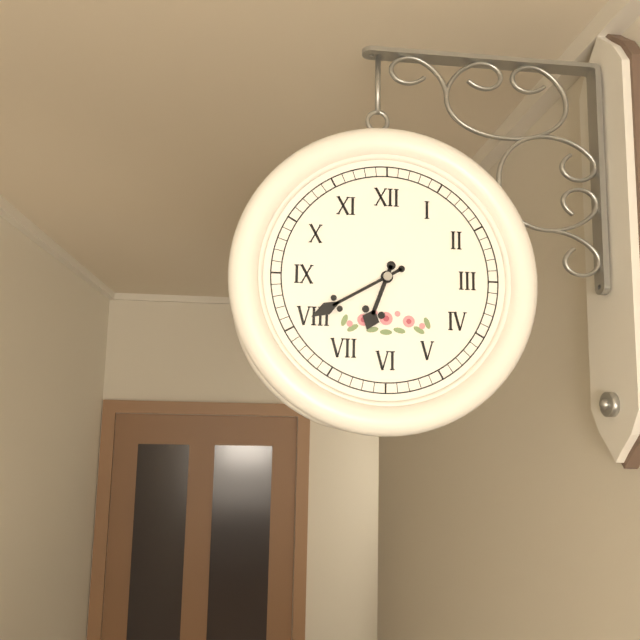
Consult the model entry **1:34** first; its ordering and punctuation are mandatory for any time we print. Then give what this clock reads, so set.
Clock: **6:40**
